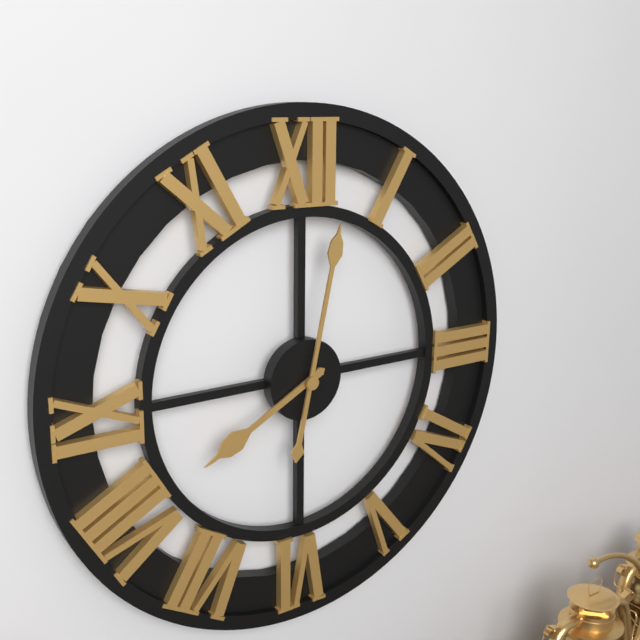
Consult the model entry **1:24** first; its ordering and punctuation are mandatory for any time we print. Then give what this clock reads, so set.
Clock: **8:02**
